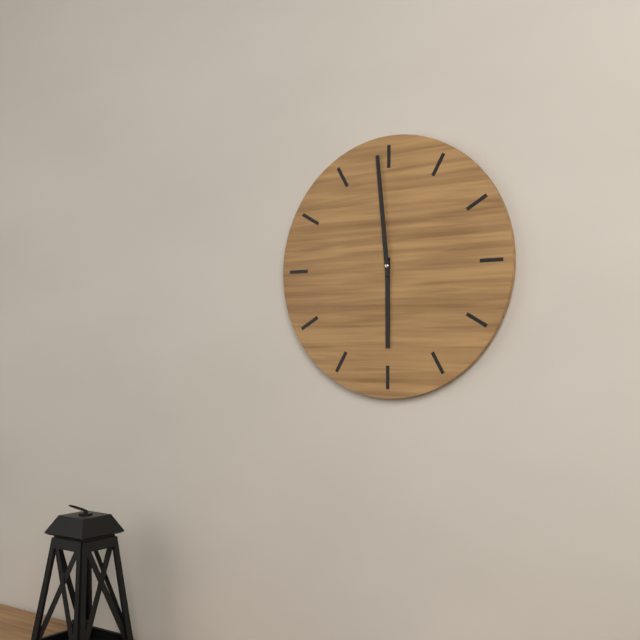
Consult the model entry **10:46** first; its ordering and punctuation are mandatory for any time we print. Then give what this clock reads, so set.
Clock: **5:59**
